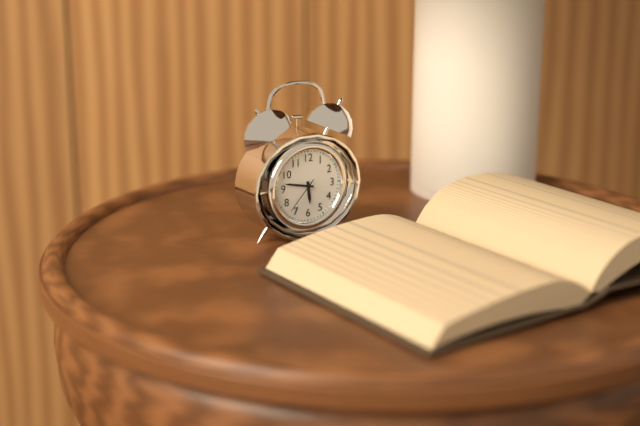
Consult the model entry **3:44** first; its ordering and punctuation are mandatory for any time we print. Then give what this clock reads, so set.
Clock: **5:47**
